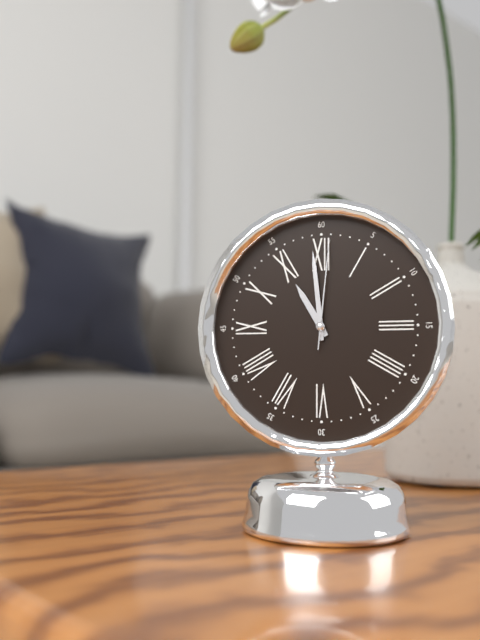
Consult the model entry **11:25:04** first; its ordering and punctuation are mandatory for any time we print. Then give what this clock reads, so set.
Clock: **10:59:01**
